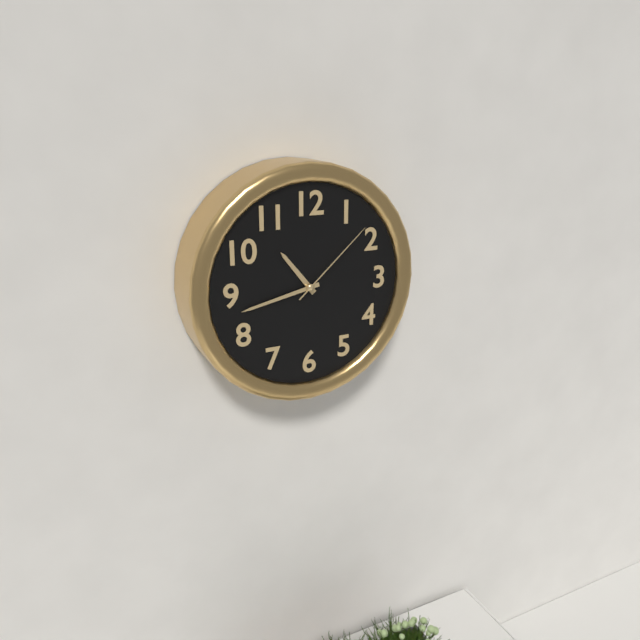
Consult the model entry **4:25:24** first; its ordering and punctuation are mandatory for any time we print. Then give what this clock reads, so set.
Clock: **10:43:08**
